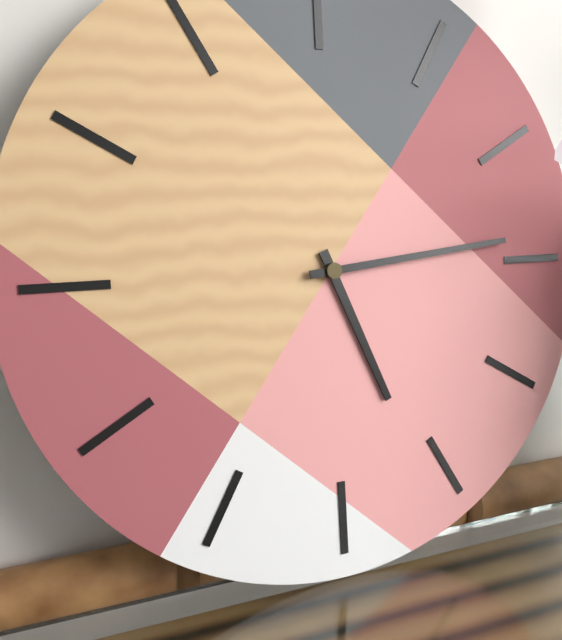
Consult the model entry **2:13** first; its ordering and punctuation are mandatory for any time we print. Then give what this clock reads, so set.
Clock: **5:14**
